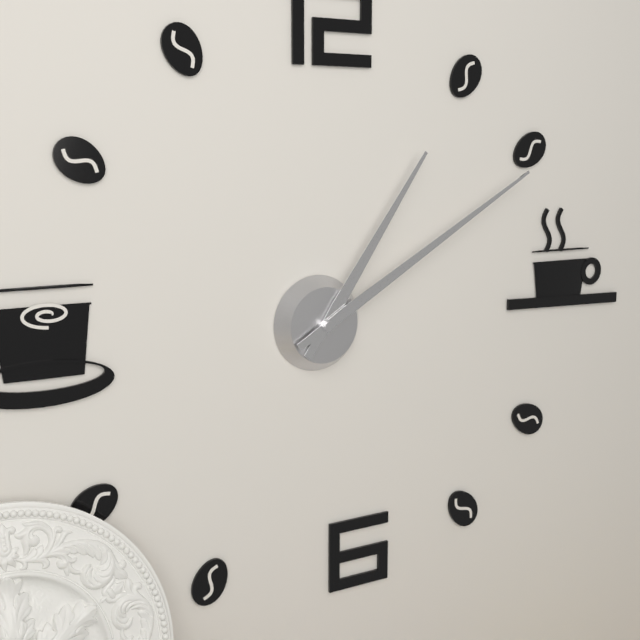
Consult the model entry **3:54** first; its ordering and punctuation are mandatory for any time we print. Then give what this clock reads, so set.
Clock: **1:10**
